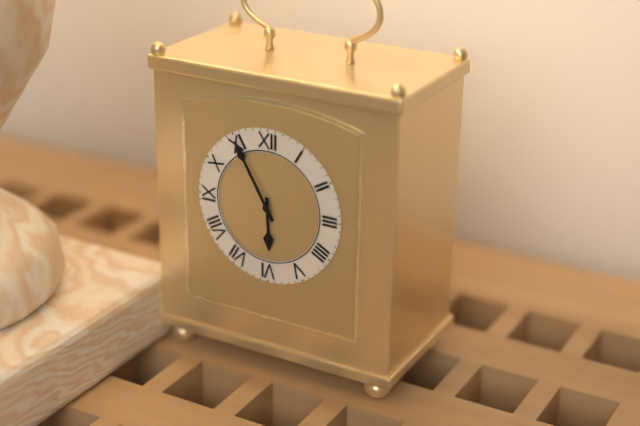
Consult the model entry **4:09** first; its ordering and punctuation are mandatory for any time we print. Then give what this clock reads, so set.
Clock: **5:55**
